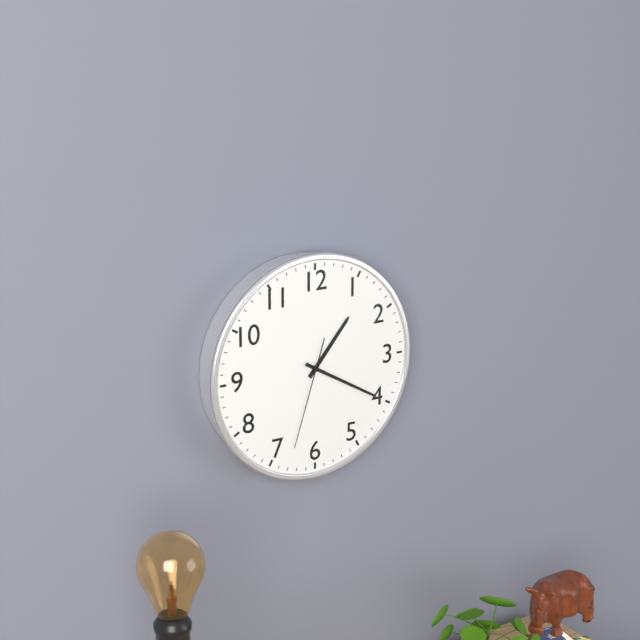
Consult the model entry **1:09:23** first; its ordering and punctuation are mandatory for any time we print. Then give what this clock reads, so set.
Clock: **1:20:33**
